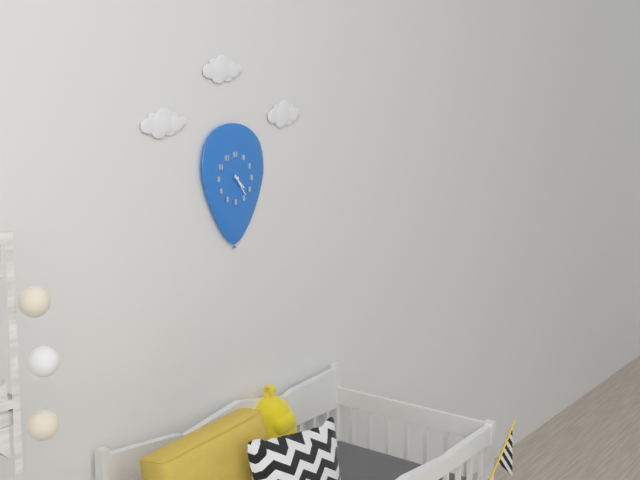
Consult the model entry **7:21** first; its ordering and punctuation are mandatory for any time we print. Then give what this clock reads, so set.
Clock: **4:24**
